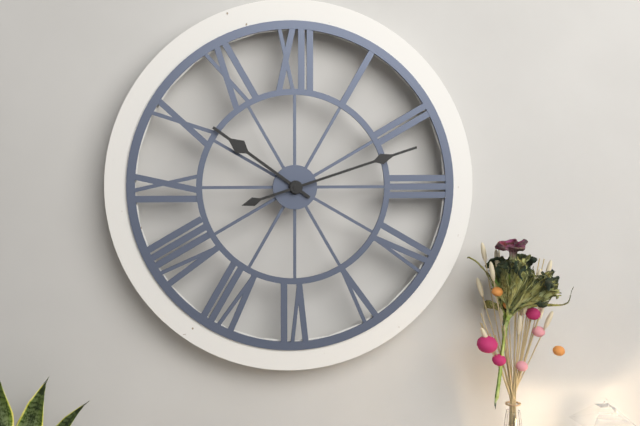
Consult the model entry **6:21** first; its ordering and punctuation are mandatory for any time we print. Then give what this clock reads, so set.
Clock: **10:12**
